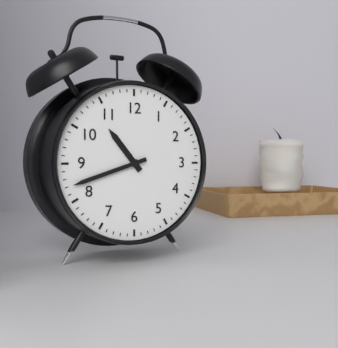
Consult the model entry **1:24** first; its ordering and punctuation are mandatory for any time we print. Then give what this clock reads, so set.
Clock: **10:42**
